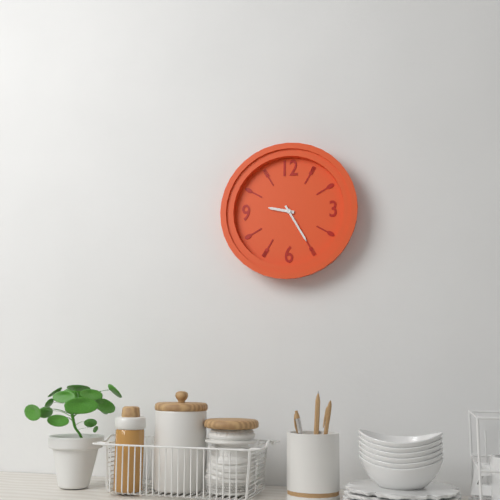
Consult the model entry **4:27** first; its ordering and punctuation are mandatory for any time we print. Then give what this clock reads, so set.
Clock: **9:25**
